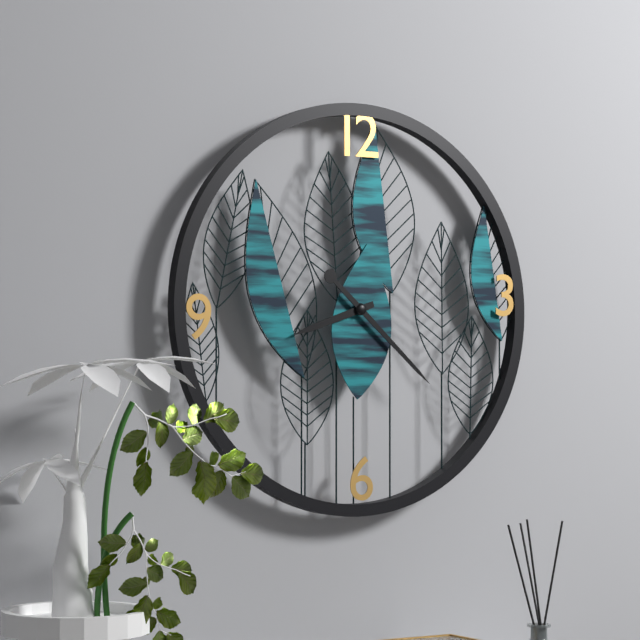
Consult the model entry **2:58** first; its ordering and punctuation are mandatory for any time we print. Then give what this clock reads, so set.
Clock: **8:22**
